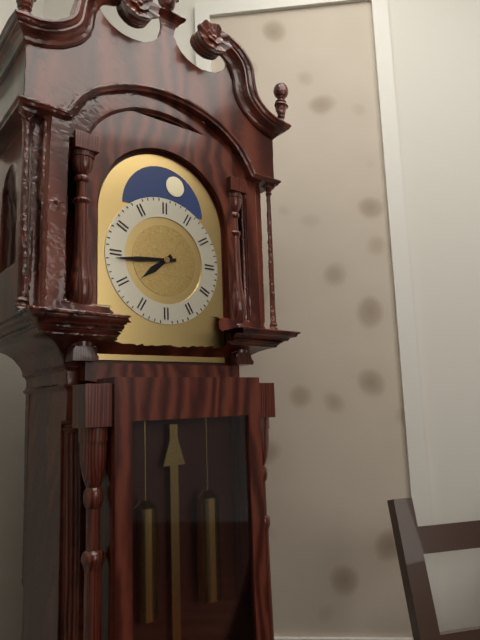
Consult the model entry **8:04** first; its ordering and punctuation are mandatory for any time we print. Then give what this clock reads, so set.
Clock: **7:44**
